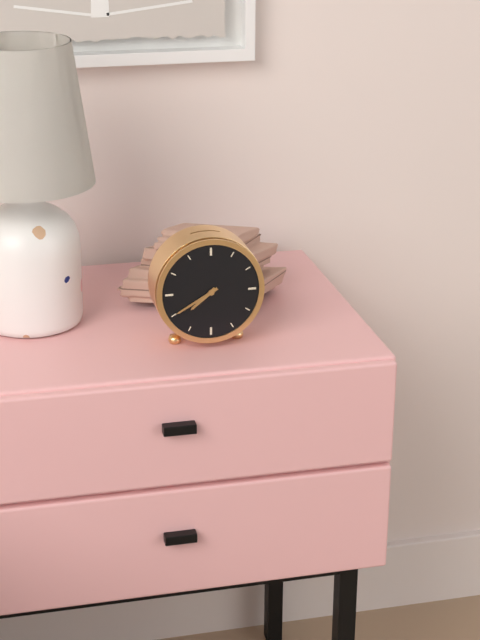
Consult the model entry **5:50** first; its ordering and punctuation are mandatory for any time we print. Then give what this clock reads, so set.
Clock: **7:40**
